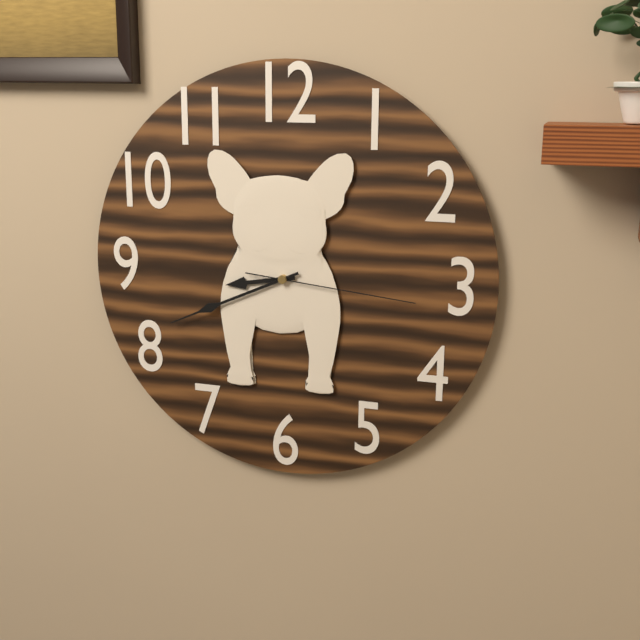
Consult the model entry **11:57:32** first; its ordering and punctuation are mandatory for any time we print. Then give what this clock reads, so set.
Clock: **8:41:16**
